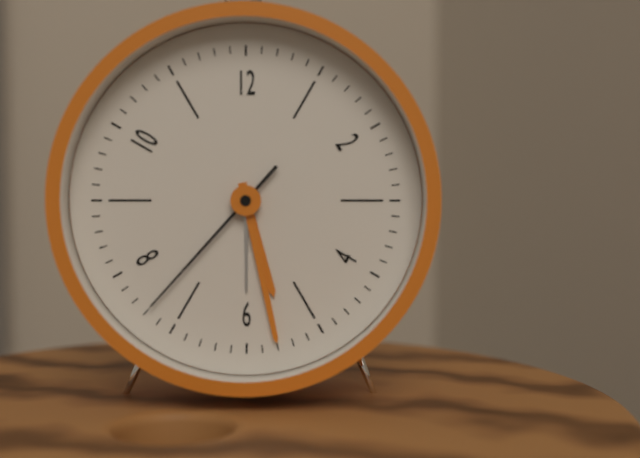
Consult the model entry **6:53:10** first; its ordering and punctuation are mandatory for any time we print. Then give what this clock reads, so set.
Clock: **5:28:37**
